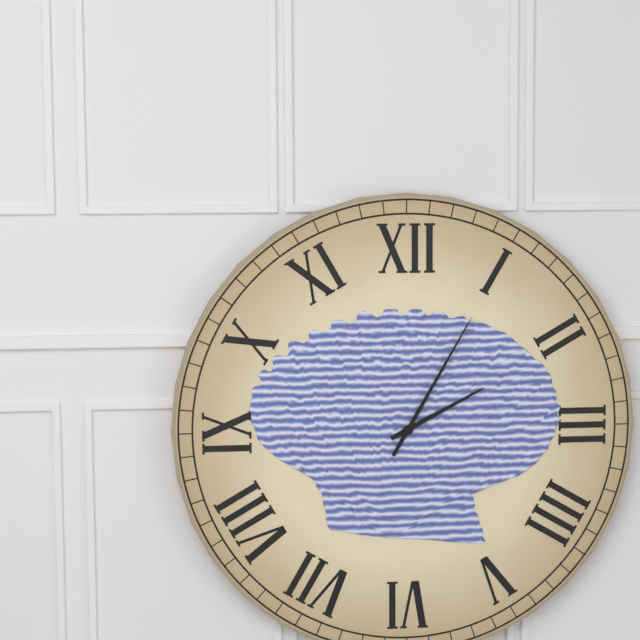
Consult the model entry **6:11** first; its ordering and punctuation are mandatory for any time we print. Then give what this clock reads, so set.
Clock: **2:05**
